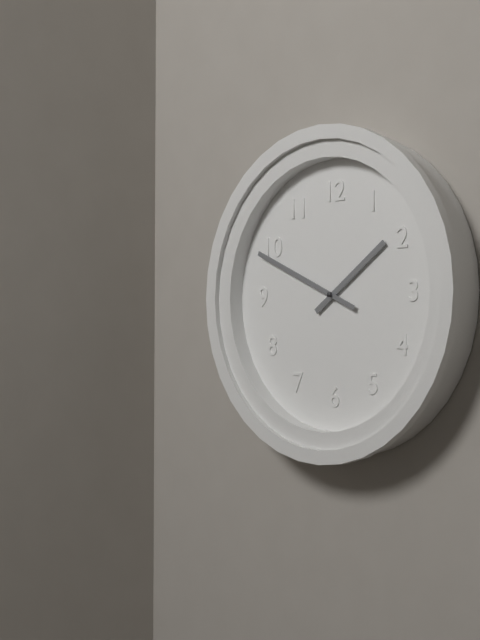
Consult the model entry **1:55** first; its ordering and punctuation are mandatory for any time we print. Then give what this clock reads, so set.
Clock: **1:49**
